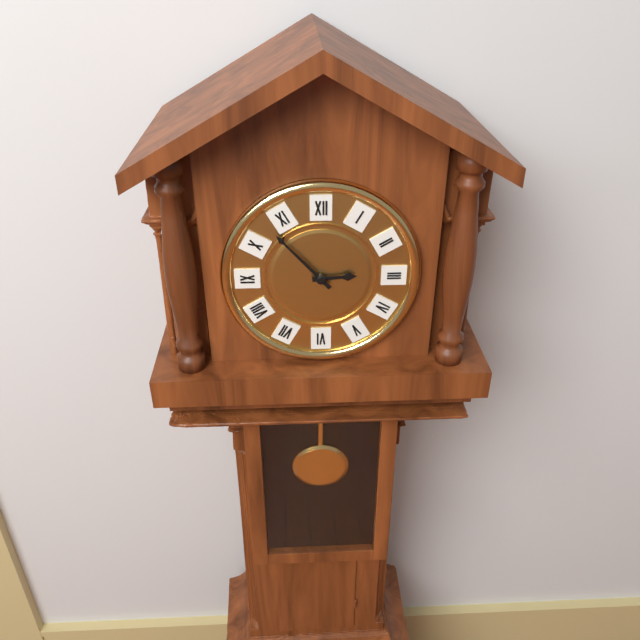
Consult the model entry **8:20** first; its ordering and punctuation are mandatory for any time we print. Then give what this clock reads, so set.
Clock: **2:53**
